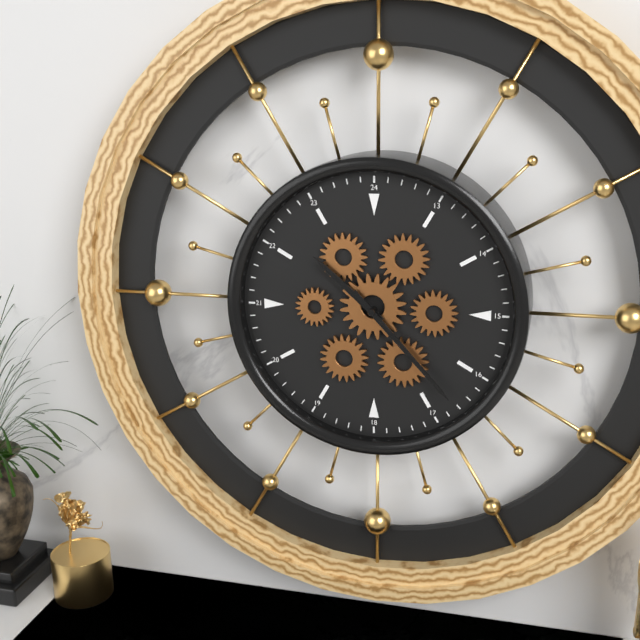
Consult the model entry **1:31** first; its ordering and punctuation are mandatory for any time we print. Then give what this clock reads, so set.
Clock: **10:23**
